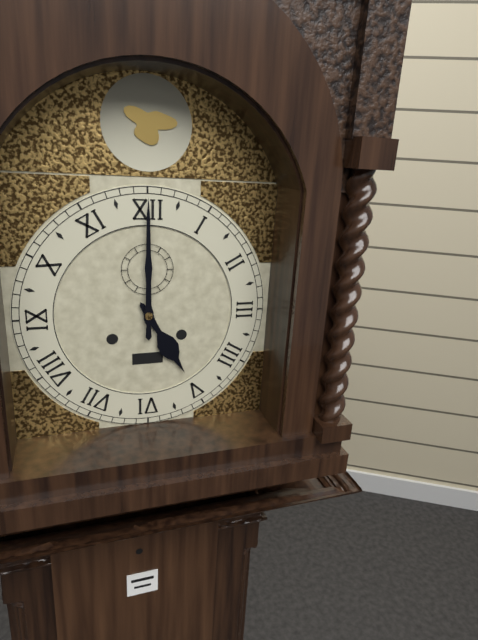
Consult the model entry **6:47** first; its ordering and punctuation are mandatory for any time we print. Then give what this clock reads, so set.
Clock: **5:00**
